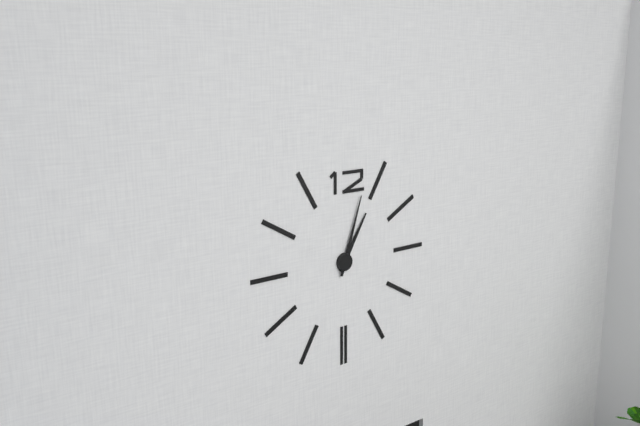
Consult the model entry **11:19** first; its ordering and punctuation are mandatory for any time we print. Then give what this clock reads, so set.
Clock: **1:03**
